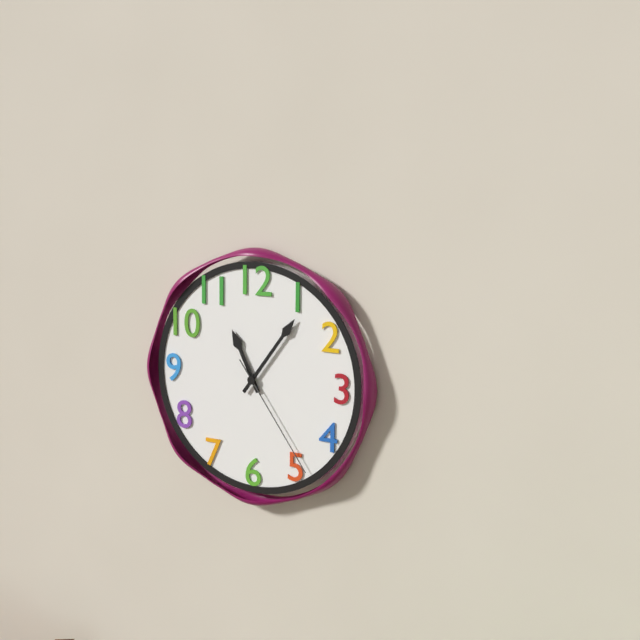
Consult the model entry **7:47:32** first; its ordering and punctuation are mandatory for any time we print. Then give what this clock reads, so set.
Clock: **11:06:24**
